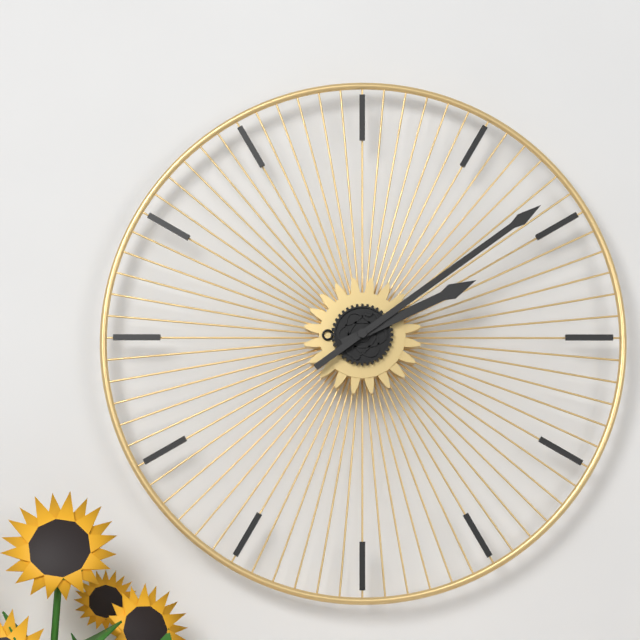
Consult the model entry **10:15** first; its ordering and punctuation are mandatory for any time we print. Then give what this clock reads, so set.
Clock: **2:09**
